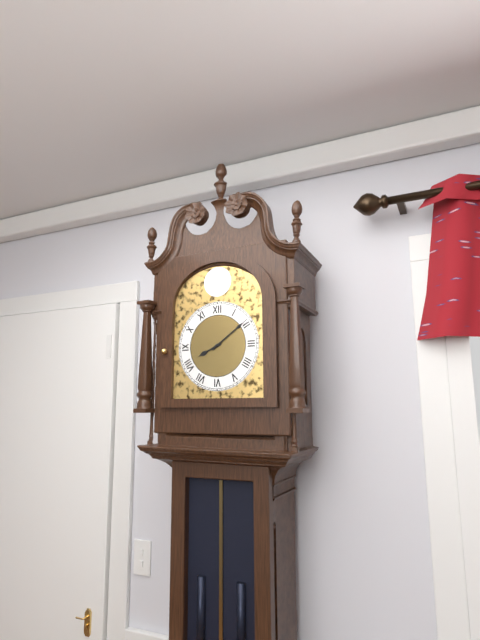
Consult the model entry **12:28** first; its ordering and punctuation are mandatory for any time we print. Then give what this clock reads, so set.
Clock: **8:09**
